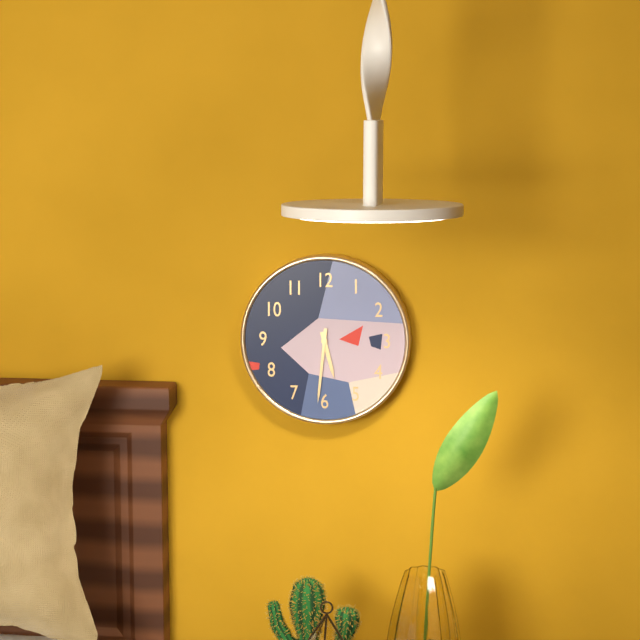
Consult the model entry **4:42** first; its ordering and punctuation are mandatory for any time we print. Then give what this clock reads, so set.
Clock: **5:31**
